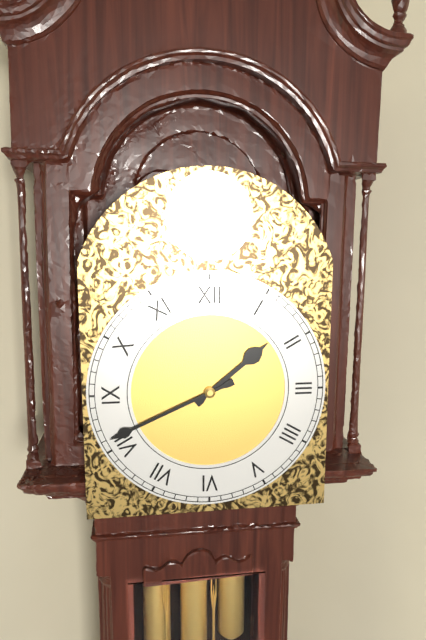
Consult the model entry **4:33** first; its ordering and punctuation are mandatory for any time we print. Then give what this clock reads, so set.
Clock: **1:41**
